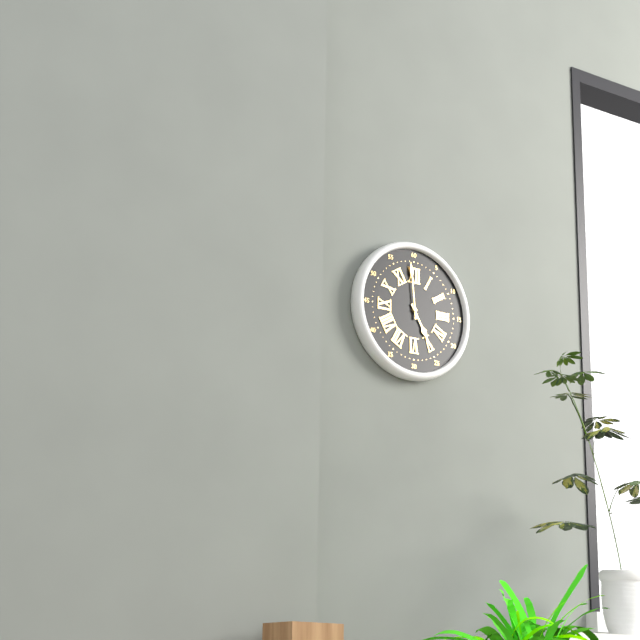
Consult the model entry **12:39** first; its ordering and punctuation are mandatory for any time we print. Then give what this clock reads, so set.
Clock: **4:59**
